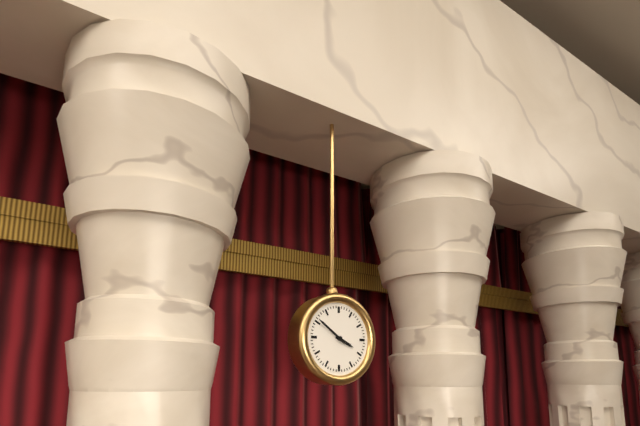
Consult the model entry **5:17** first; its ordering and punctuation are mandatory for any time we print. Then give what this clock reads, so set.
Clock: **3:51**
